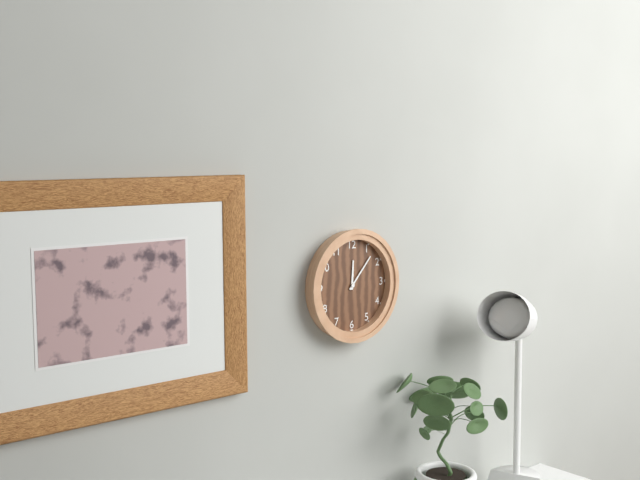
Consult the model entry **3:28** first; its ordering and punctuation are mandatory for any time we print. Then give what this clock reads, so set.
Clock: **12:07**
